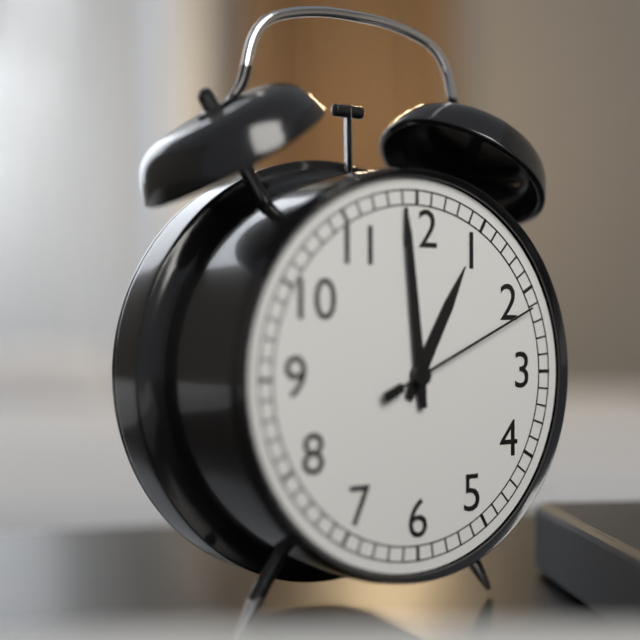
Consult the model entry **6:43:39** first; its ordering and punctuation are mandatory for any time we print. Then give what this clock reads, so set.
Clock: **12:59:11**
